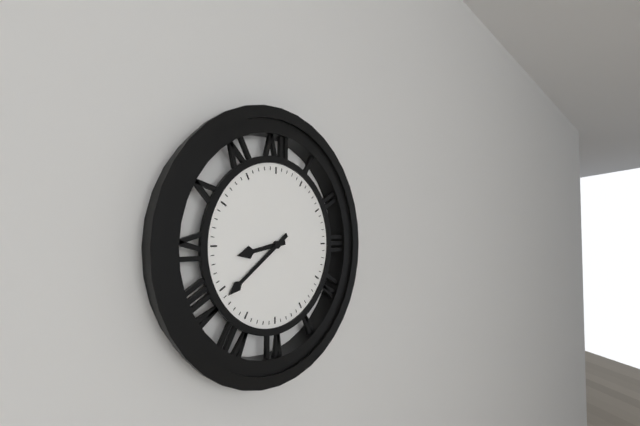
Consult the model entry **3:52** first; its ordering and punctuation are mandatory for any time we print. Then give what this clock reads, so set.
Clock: **8:39**
